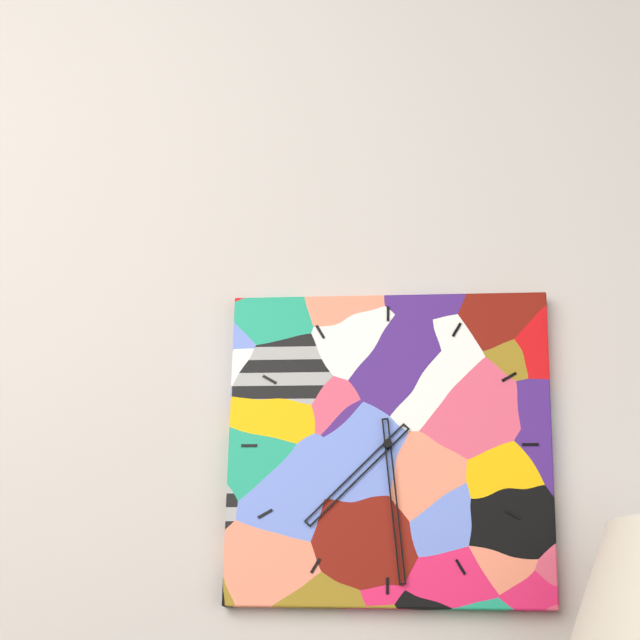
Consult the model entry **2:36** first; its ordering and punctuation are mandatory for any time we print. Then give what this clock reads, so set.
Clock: **7:29**
